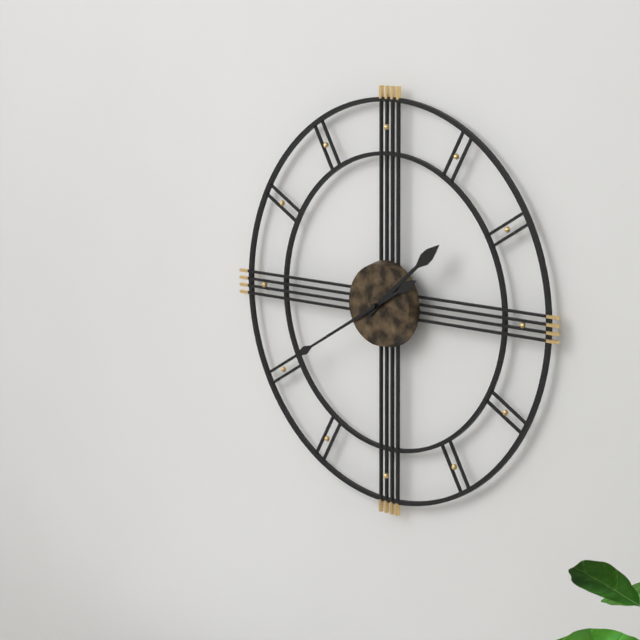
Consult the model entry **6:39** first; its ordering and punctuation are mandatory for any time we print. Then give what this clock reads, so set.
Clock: **1:40**
